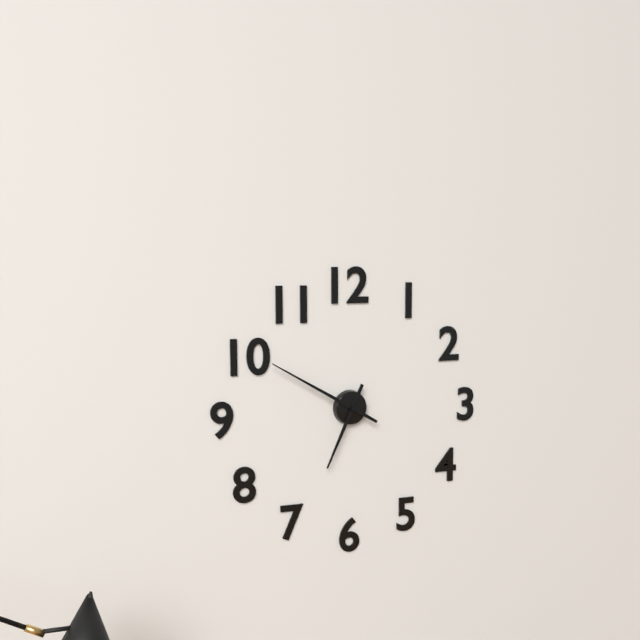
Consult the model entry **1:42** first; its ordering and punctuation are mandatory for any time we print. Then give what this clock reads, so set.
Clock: **6:50**
